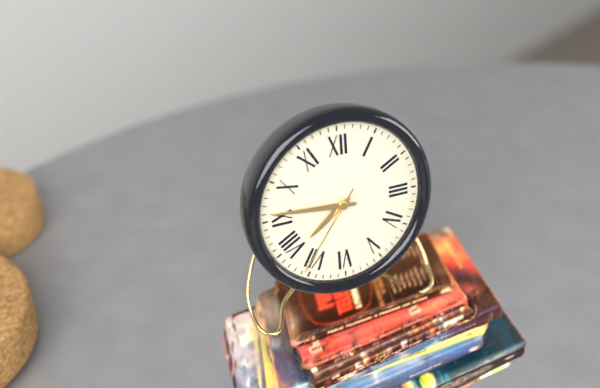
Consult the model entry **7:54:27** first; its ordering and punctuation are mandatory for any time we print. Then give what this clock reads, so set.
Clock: **7:46:36**
